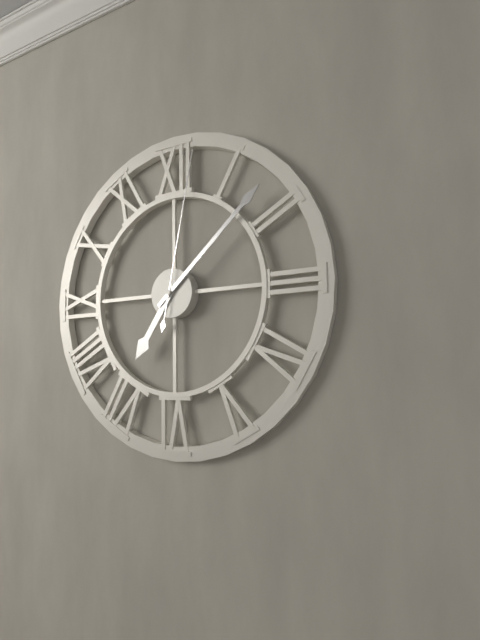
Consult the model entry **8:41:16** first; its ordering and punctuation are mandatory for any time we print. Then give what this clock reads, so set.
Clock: **7:08:02**
